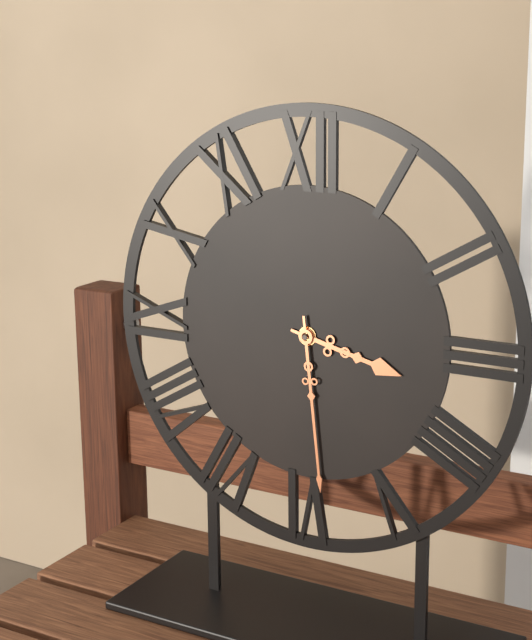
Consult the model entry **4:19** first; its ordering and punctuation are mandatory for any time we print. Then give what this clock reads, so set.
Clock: **3:29**
